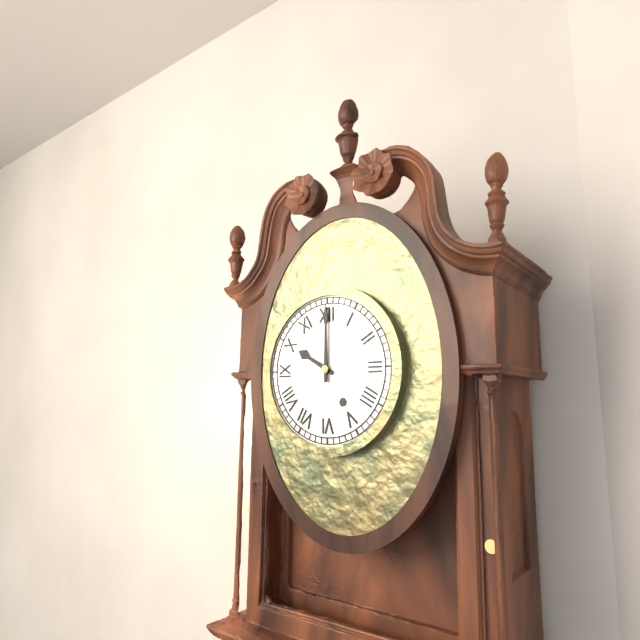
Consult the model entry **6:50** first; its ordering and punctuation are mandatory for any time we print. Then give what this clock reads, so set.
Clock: **10:00**
